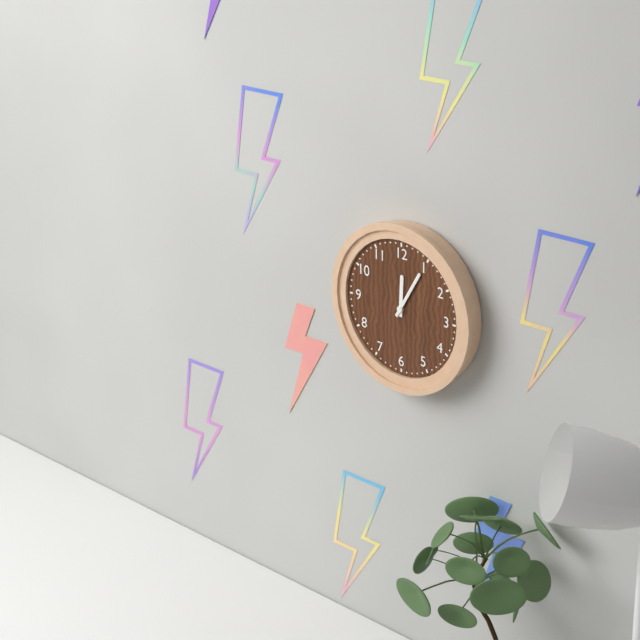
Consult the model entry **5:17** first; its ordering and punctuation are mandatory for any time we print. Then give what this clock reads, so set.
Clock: **12:05**
